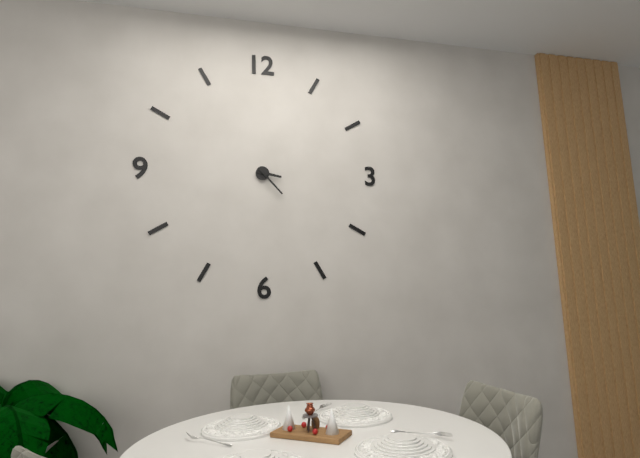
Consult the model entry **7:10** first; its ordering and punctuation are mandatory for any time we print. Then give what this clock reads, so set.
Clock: **3:23**
